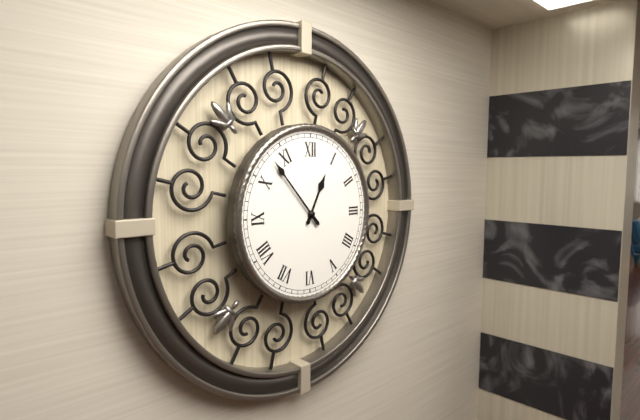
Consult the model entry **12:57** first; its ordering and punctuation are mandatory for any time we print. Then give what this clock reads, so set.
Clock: **12:53**
